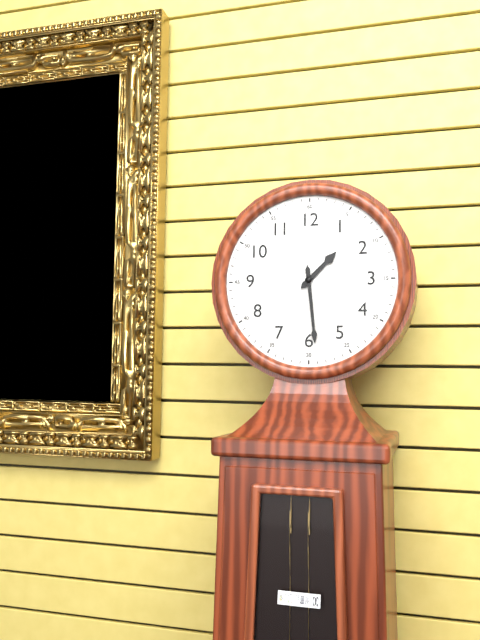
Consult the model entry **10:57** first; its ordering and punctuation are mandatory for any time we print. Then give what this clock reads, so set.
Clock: **1:29**
